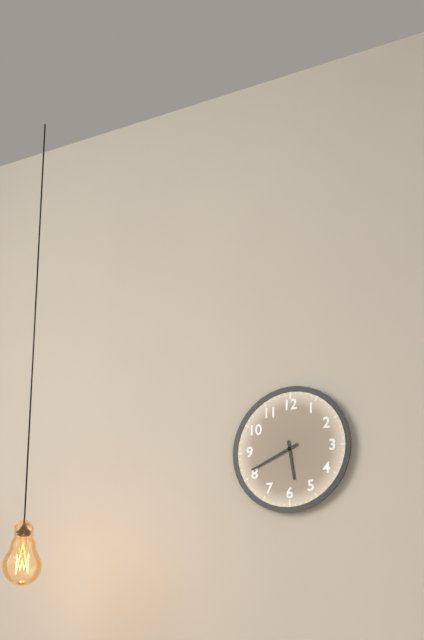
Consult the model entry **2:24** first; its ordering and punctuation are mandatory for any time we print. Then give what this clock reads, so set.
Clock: **5:41**
